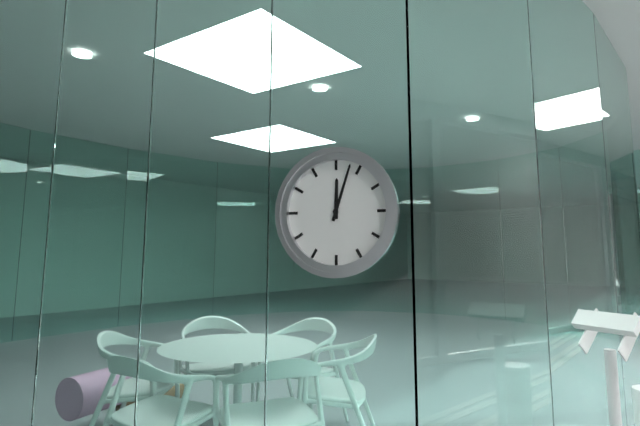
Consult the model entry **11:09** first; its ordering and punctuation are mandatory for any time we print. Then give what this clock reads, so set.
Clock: **12:03**
